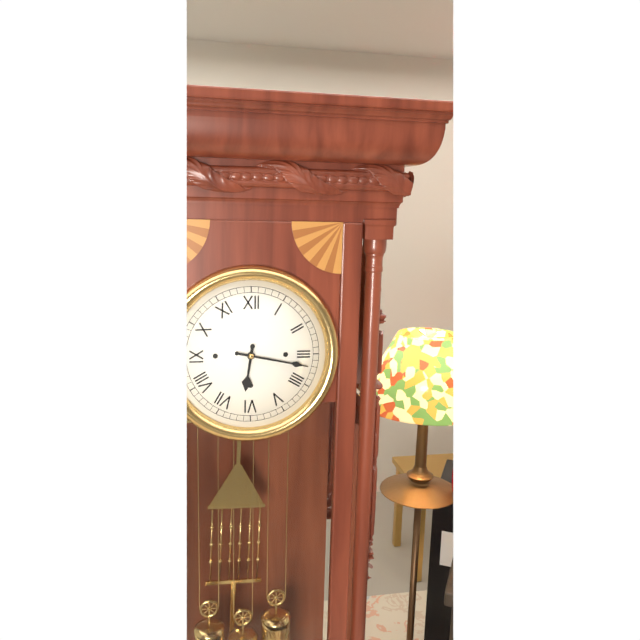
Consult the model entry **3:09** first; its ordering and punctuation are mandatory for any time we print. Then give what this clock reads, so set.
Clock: **6:17**
